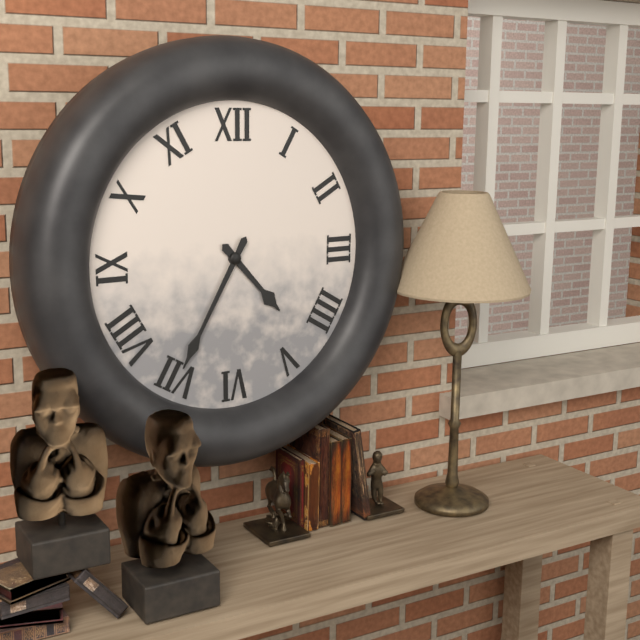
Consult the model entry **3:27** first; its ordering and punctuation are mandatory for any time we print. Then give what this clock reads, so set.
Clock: **4:35**
